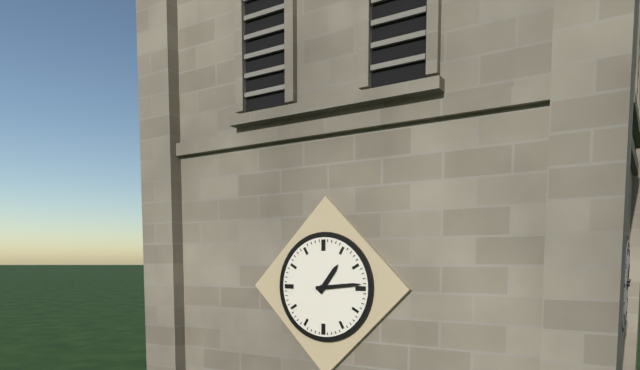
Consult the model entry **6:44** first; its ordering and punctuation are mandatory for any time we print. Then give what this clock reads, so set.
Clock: **1:14**
